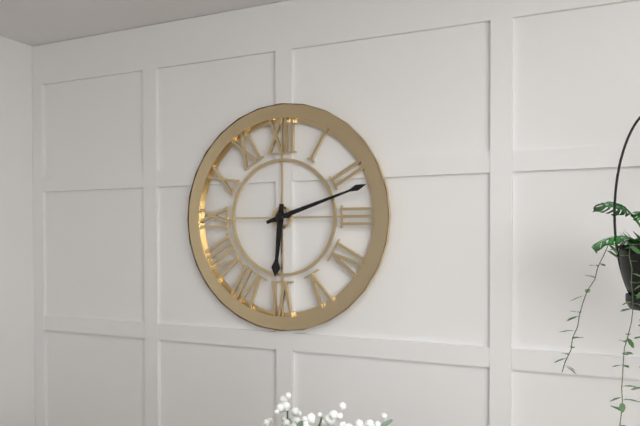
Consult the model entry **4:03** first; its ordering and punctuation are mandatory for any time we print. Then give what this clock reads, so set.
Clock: **6:12**
